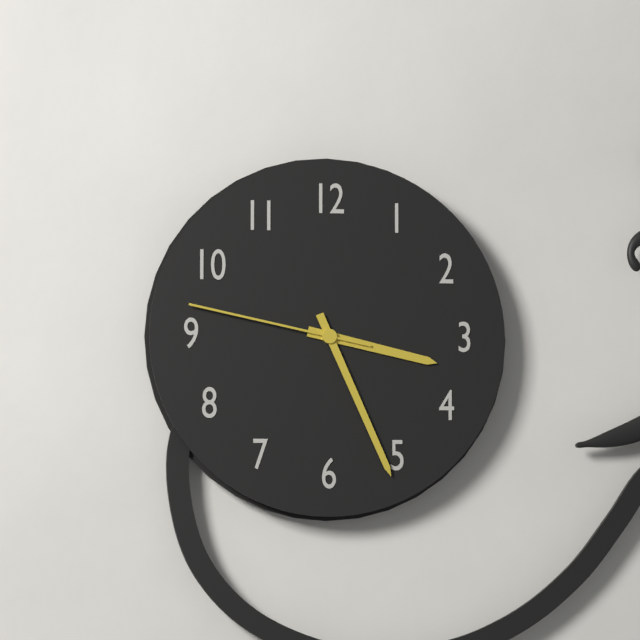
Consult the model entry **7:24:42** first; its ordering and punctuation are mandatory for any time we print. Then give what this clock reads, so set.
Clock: **3:26:47**
